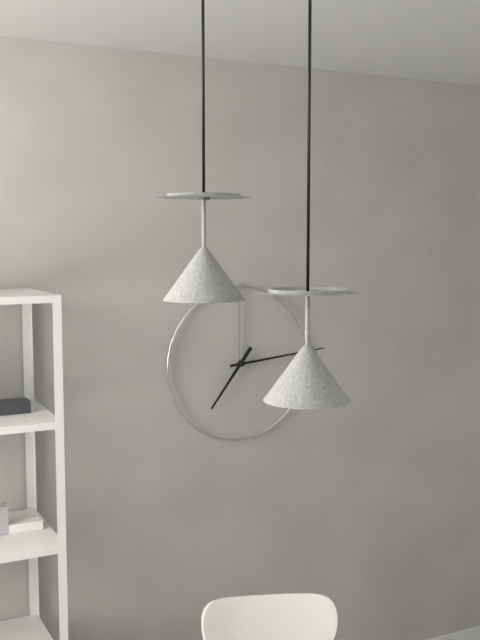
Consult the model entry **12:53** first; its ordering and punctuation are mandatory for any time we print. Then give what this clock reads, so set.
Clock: **7:14**
